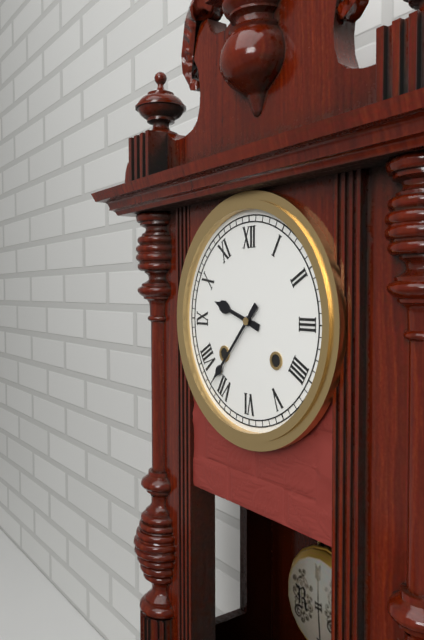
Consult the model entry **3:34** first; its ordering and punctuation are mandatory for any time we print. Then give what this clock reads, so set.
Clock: **9:37**
